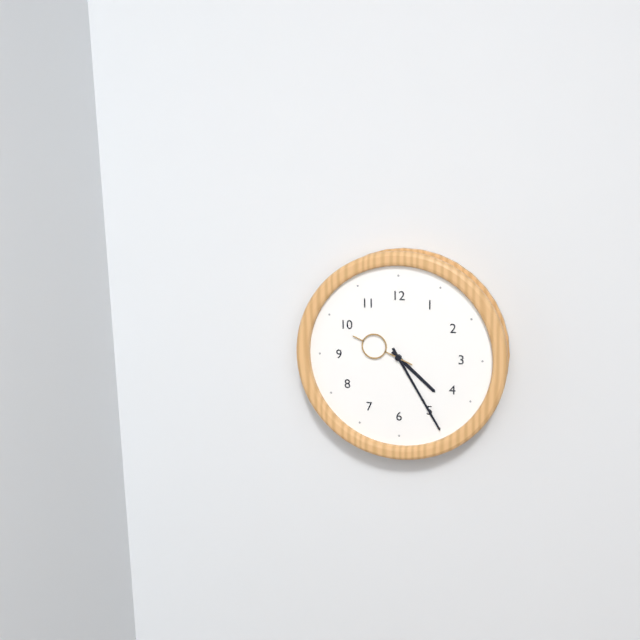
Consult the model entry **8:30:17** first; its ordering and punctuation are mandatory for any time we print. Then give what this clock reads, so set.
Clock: **4:25:49**
